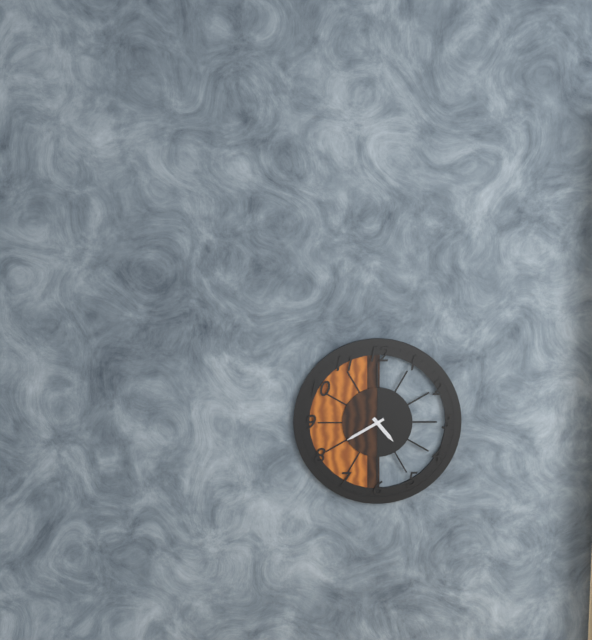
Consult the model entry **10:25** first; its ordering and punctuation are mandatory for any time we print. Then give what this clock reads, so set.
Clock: **4:40**
